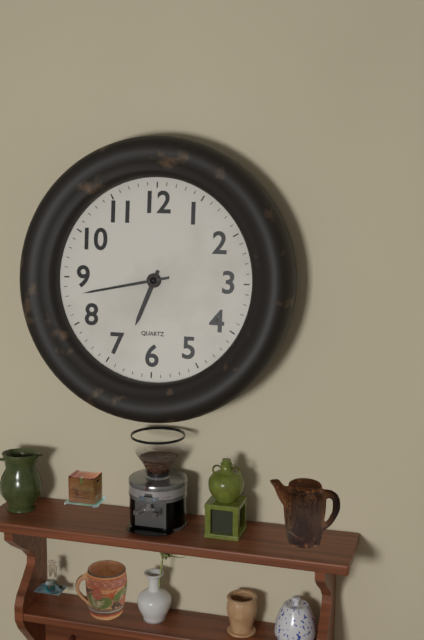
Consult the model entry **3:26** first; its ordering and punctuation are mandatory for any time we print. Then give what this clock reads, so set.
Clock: **6:43**
